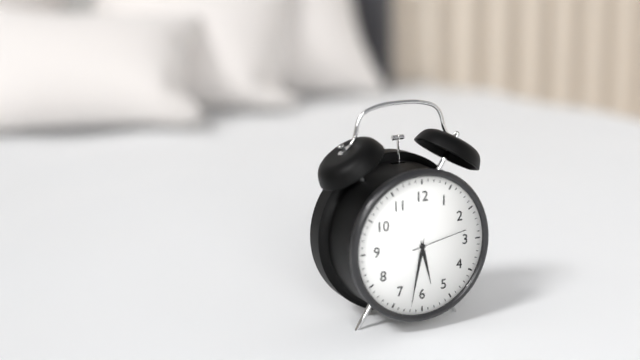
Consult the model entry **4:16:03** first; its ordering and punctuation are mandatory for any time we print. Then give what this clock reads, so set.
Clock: **5:32:13**
